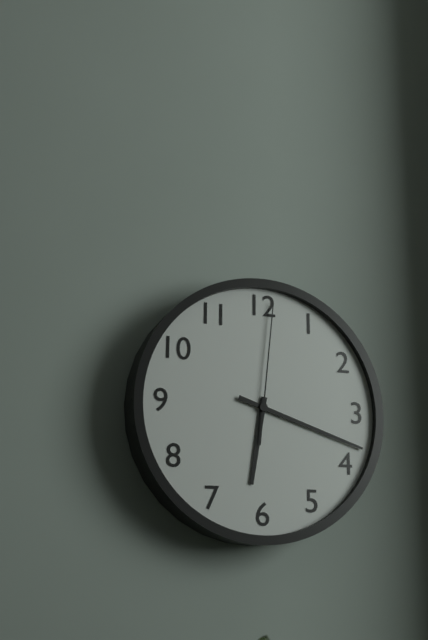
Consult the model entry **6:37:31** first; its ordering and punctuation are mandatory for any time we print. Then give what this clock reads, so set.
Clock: **6:18:01**
